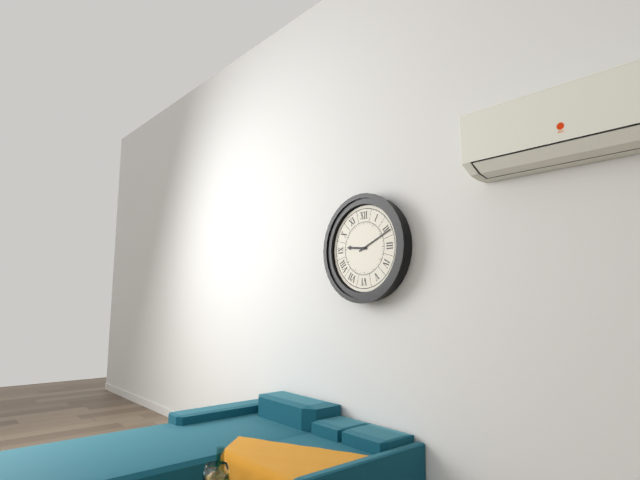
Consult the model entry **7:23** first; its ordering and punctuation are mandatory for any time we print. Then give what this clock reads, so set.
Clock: **9:11**
